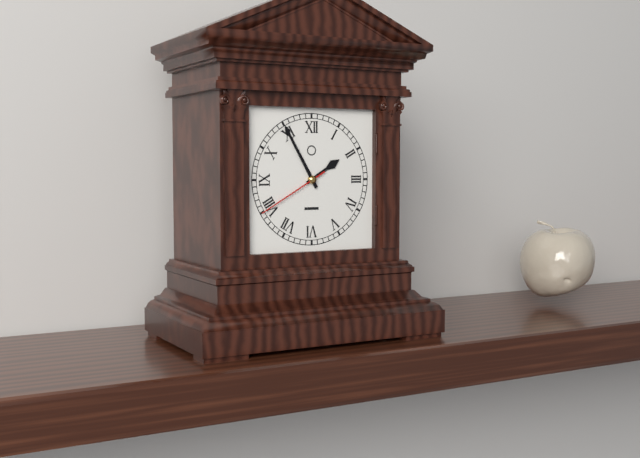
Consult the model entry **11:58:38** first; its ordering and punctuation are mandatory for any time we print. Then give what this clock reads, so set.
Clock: **1:55:40**
